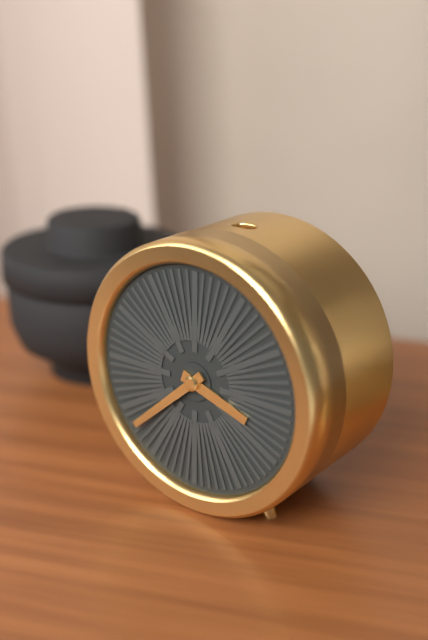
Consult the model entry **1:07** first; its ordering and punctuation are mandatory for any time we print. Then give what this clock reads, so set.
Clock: **3:38**
